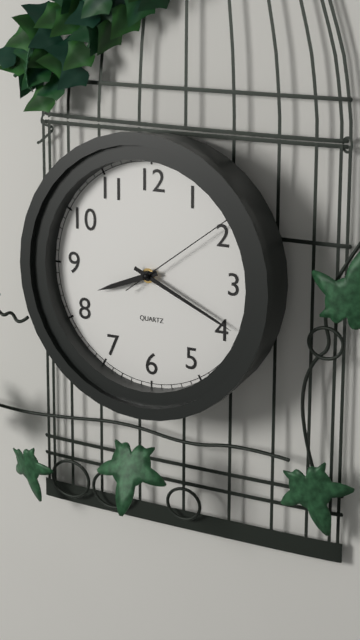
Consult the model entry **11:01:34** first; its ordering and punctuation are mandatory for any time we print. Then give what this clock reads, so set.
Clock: **8:19:09**
